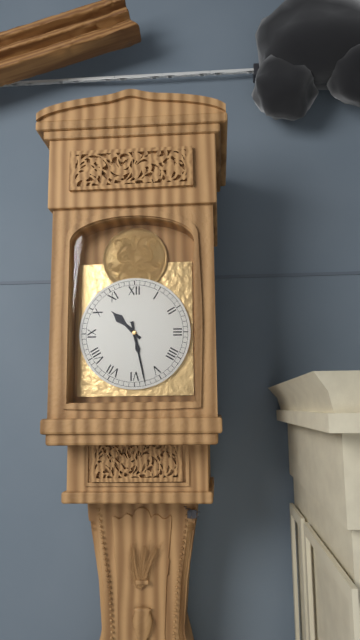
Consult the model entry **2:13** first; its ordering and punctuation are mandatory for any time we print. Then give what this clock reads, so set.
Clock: **10:28**
